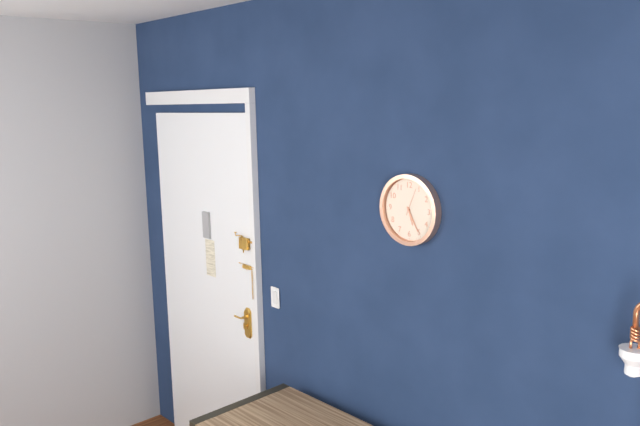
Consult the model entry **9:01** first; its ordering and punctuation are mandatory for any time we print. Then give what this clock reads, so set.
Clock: **5:25**
